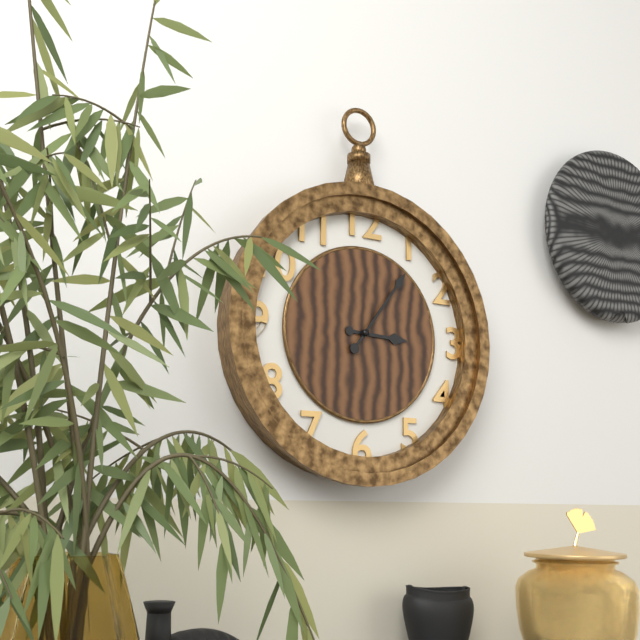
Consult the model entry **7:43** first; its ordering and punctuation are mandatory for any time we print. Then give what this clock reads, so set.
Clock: **3:06**
